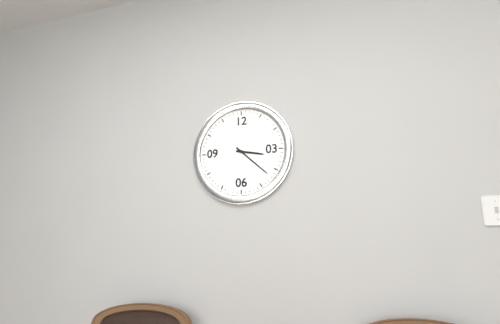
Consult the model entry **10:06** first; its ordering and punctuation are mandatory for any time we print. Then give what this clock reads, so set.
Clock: **3:22**
